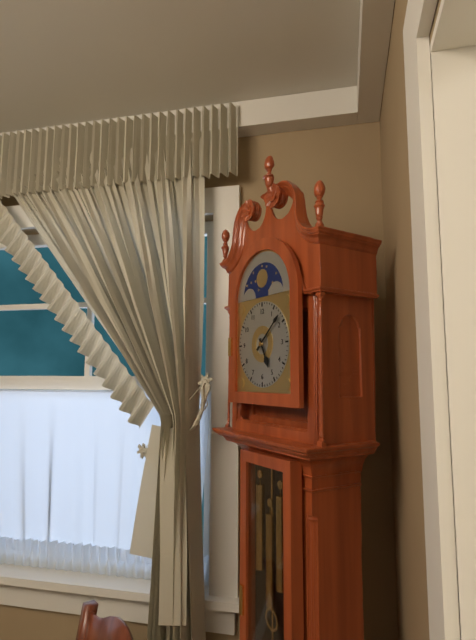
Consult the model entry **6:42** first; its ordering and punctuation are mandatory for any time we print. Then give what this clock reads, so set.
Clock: **5:08**
